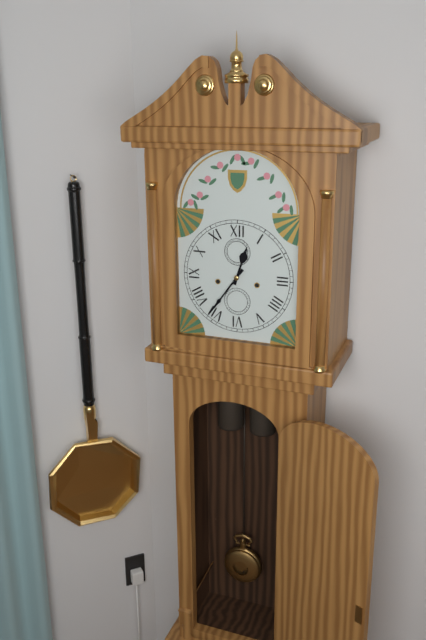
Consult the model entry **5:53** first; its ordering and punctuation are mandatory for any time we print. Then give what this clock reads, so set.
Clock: **12:36**
